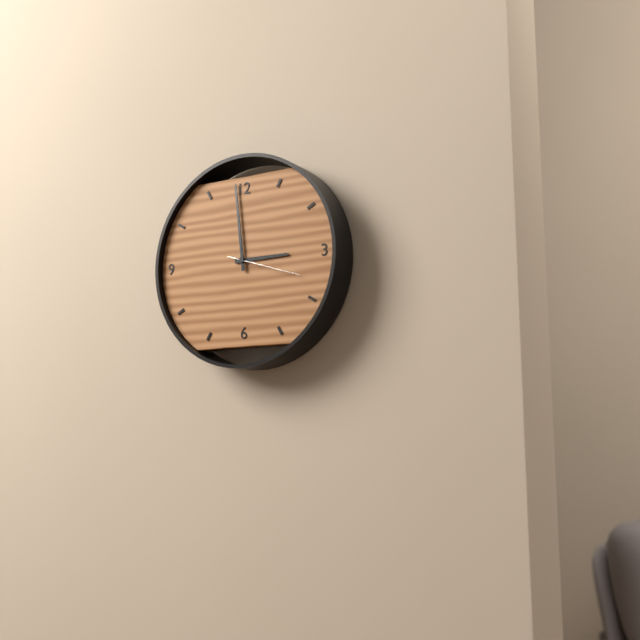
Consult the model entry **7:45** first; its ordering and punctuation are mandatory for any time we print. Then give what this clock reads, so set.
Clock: **2:59**
